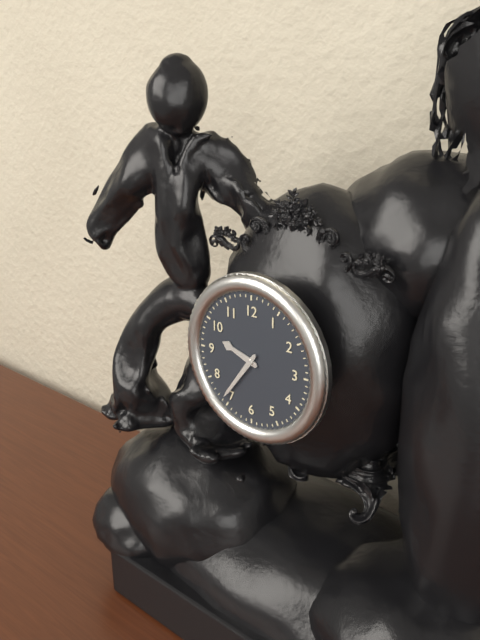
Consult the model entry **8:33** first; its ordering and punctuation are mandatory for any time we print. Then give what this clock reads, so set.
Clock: **9:36**
